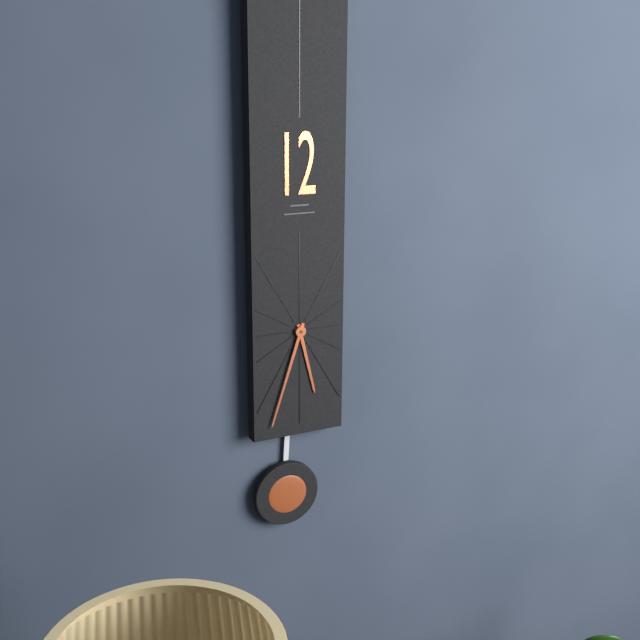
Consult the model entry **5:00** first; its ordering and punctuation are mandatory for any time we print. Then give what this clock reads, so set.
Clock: **5:33**
